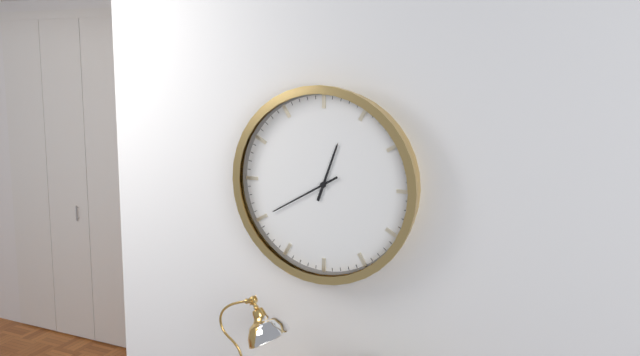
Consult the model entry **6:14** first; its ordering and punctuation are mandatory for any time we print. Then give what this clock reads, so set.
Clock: **12:40**
